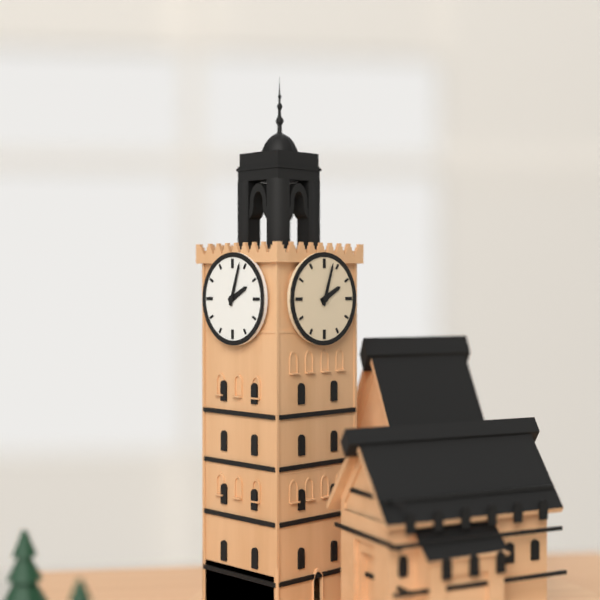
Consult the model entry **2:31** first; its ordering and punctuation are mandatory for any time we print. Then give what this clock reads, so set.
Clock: **2:03**
